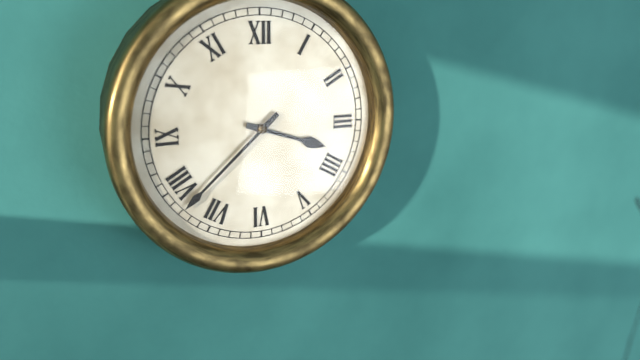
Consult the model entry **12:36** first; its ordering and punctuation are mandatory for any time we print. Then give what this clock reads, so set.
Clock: **3:38**
